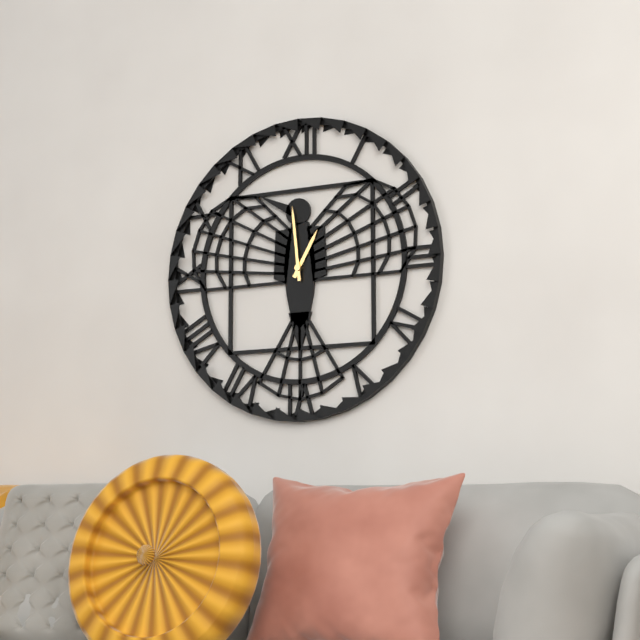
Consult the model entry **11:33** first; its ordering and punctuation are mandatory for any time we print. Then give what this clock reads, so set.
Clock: **12:59**
